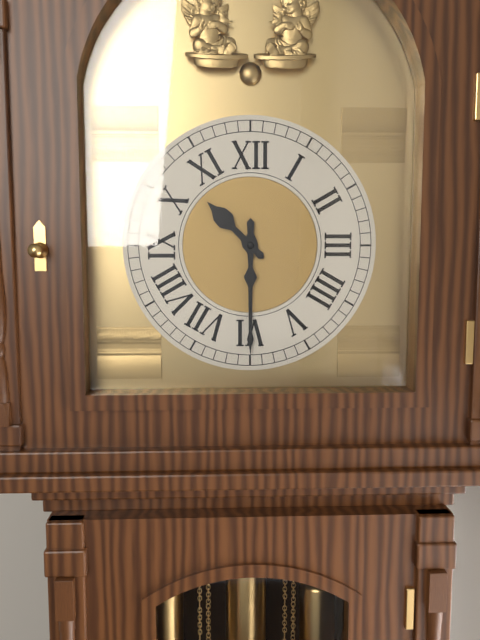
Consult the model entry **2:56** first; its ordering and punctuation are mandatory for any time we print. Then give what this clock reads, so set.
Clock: **10:30**
